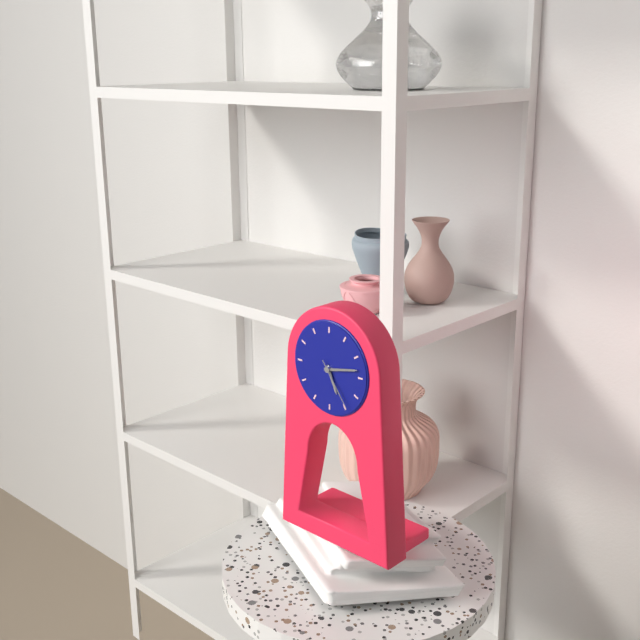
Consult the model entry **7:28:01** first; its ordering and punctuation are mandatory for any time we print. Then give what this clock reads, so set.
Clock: **5:13:24**
